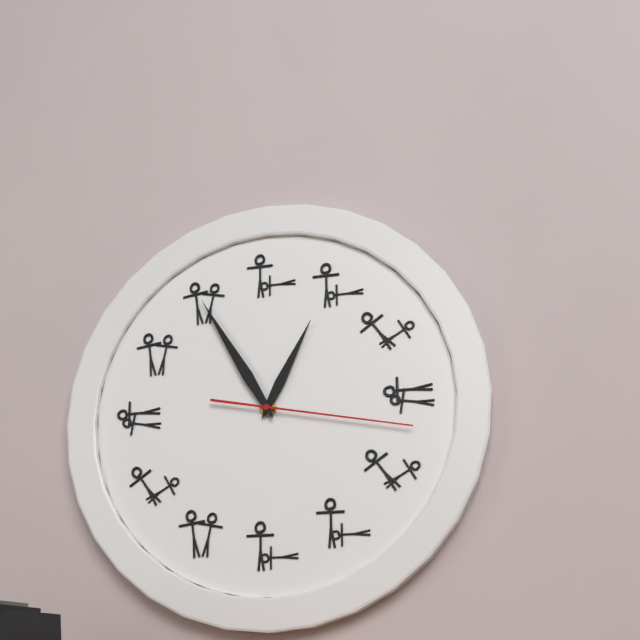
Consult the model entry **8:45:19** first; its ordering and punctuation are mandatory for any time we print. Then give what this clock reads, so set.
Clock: **12:55:17**
